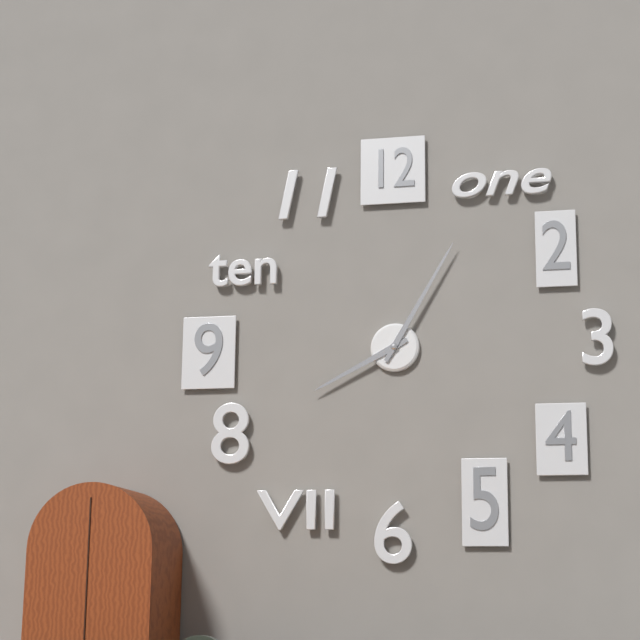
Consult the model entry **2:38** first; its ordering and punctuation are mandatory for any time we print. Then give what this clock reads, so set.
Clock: **8:05**
